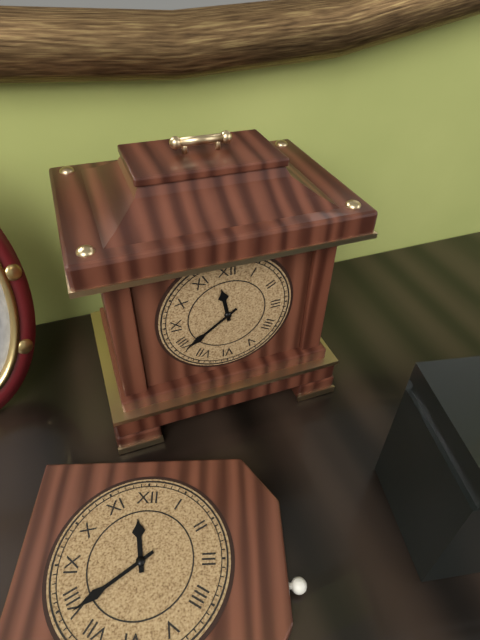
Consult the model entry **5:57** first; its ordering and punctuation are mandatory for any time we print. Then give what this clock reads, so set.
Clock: **11:39**
